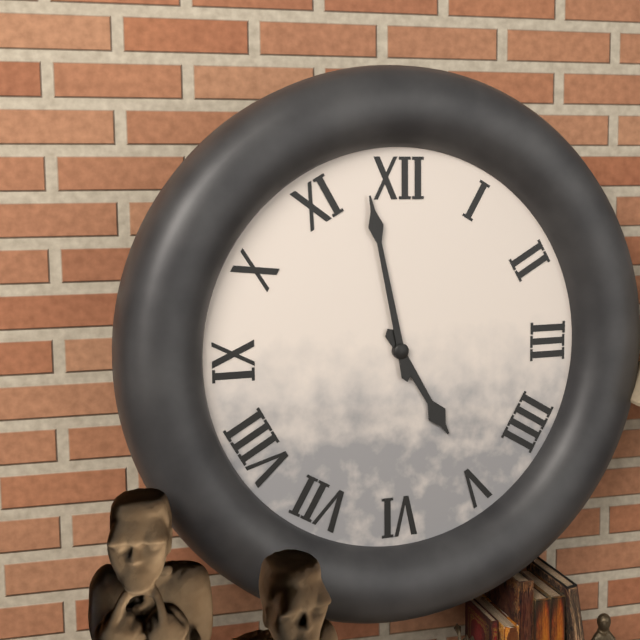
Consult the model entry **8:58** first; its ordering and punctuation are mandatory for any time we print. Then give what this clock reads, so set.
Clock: **4:58**
